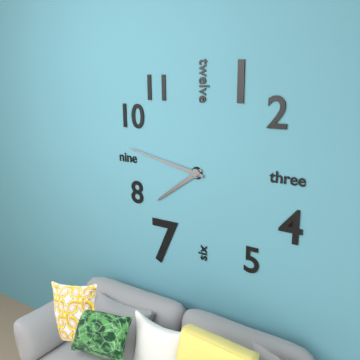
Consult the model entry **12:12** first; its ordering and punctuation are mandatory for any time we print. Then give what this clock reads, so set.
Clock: **7:47**
